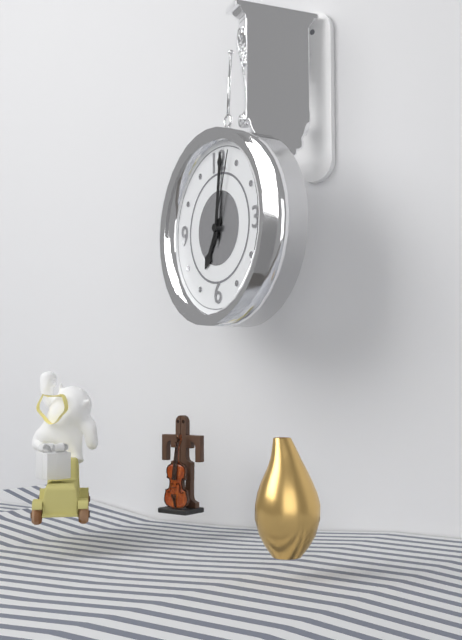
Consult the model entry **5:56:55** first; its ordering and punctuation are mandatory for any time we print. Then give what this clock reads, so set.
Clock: **7:01:03**
